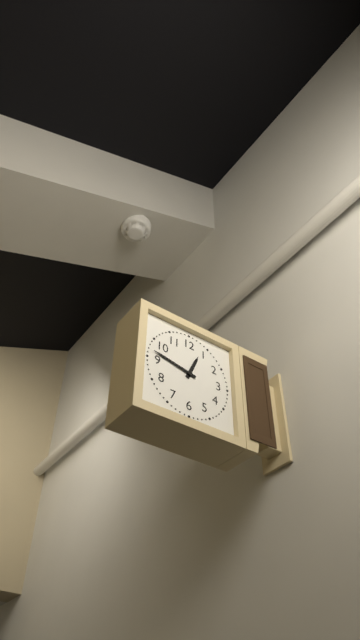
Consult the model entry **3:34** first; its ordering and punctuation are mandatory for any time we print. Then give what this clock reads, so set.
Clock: **12:47**
